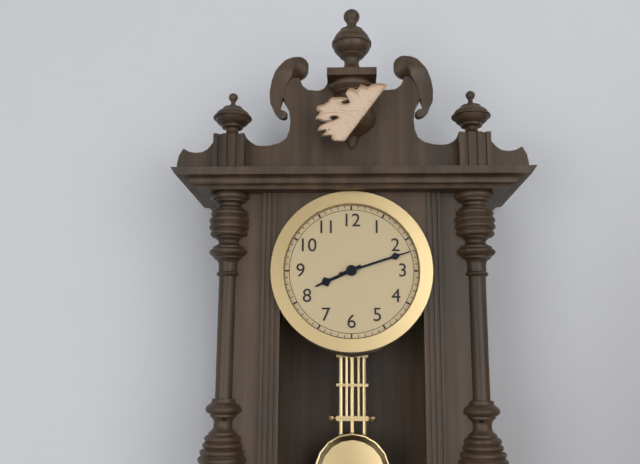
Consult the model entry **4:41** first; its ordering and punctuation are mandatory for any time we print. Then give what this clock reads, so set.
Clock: **8:12**
